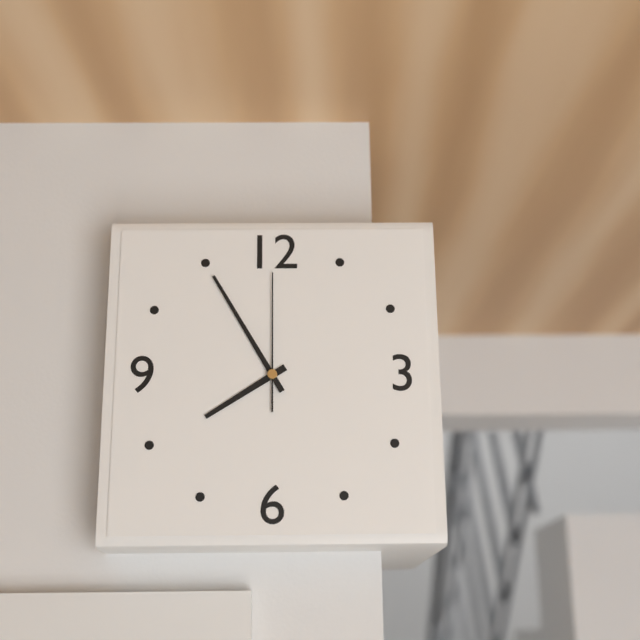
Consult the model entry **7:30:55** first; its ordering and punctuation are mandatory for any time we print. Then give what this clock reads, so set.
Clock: **7:55:00**
